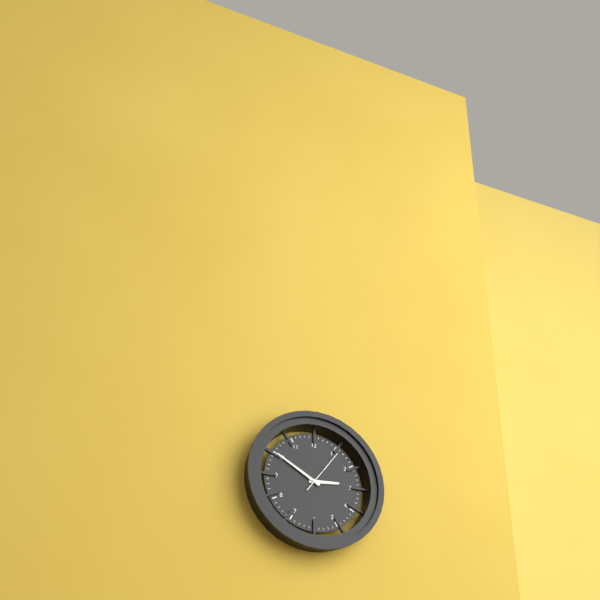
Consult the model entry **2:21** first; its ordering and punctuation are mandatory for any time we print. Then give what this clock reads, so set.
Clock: **2:50**
